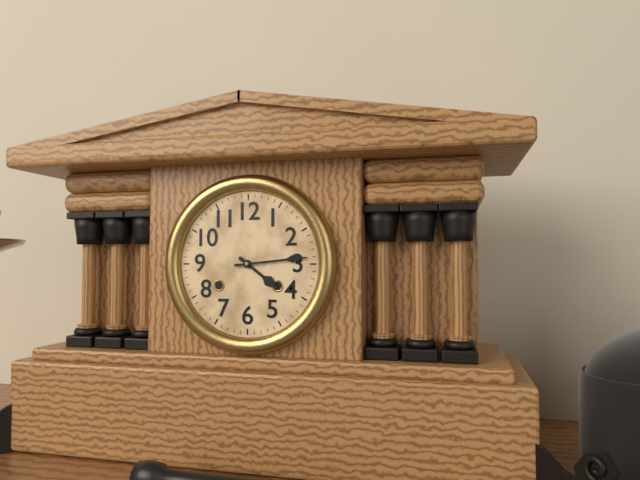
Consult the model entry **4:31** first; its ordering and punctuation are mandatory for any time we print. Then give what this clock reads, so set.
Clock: **4:14**
